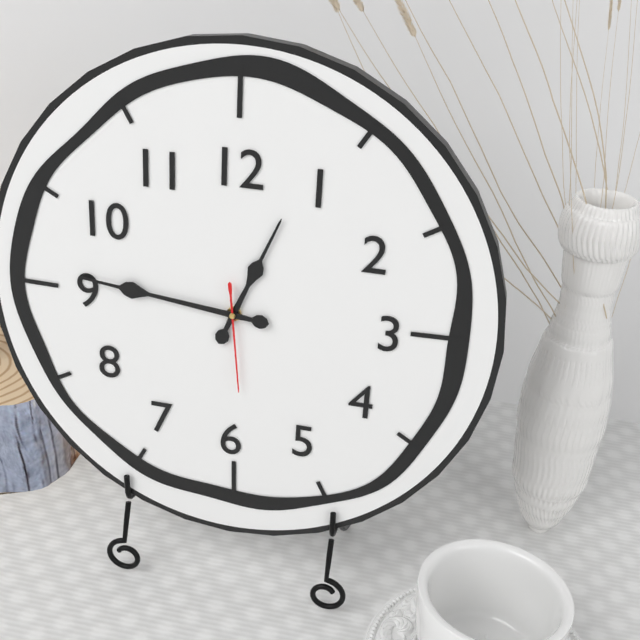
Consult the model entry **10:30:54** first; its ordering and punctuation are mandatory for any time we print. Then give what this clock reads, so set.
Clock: **12:46:29**
